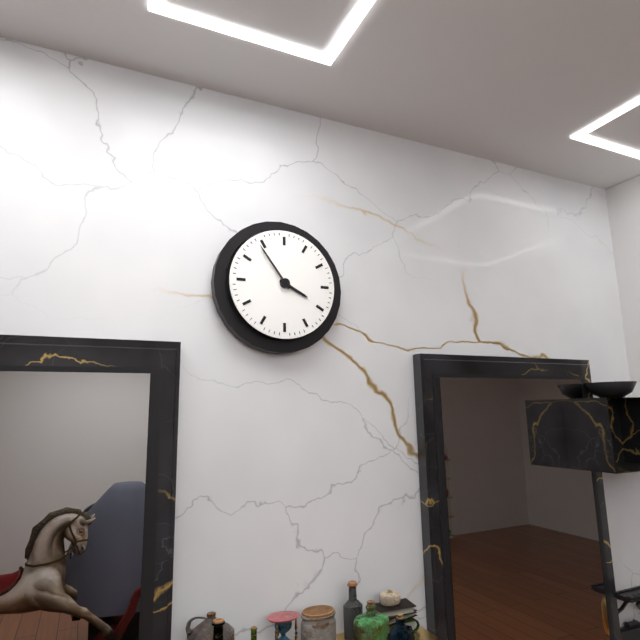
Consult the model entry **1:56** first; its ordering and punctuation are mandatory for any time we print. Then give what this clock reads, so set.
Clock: **3:54**
